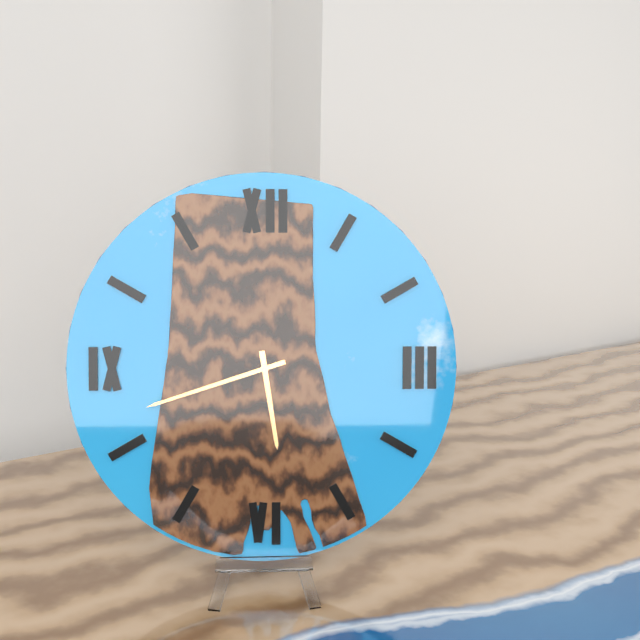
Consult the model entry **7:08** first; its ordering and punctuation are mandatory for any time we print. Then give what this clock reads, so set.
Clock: **5:42**
